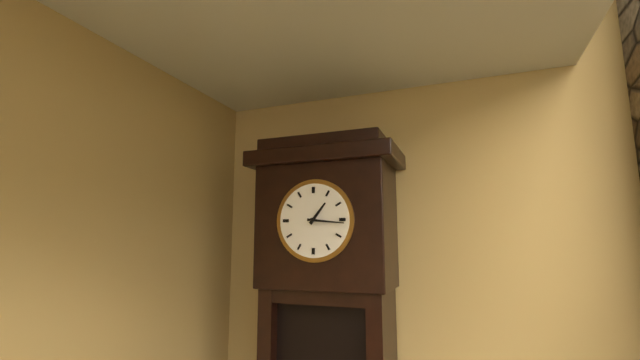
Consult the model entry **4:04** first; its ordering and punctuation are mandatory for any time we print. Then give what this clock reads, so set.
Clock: **1:16**
